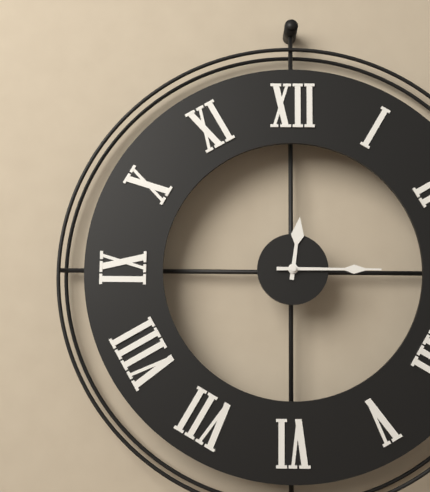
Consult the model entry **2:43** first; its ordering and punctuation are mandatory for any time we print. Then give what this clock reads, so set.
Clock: **12:15**
